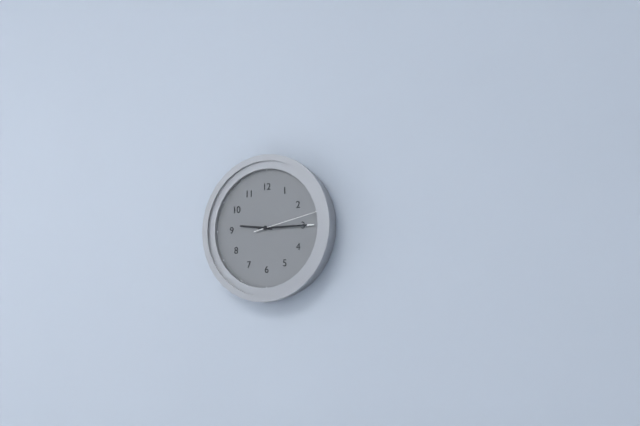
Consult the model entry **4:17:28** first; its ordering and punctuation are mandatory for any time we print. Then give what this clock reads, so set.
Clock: **9:15:13**
